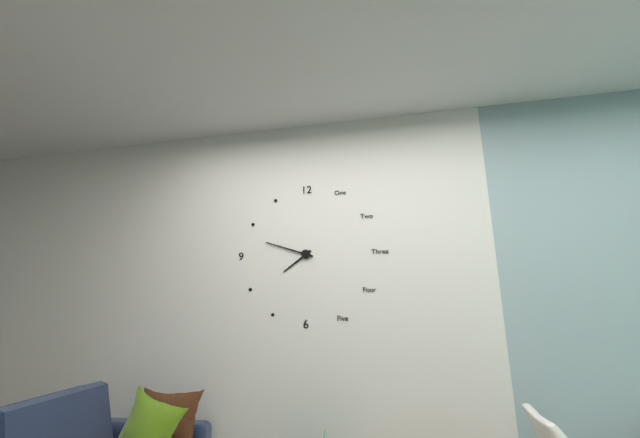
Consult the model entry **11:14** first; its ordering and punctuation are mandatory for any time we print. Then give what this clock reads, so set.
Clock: **7:48**
